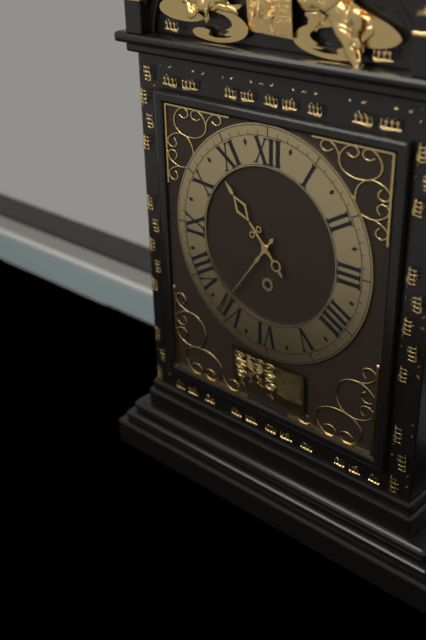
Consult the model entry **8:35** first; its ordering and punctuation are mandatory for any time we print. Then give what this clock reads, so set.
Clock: **10:36**
